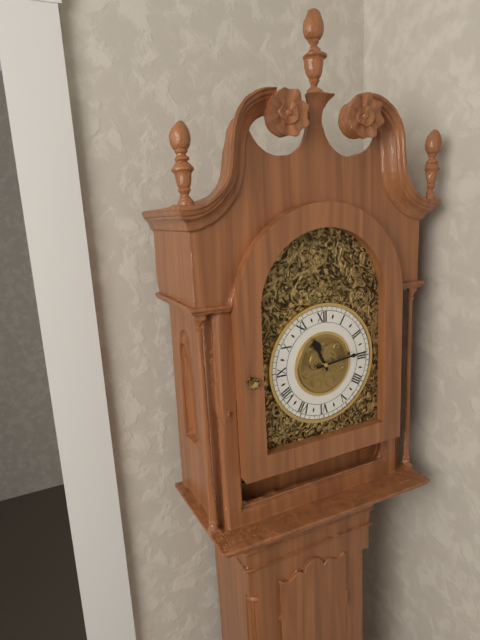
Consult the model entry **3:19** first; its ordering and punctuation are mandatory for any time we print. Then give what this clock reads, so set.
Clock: **11:14**
